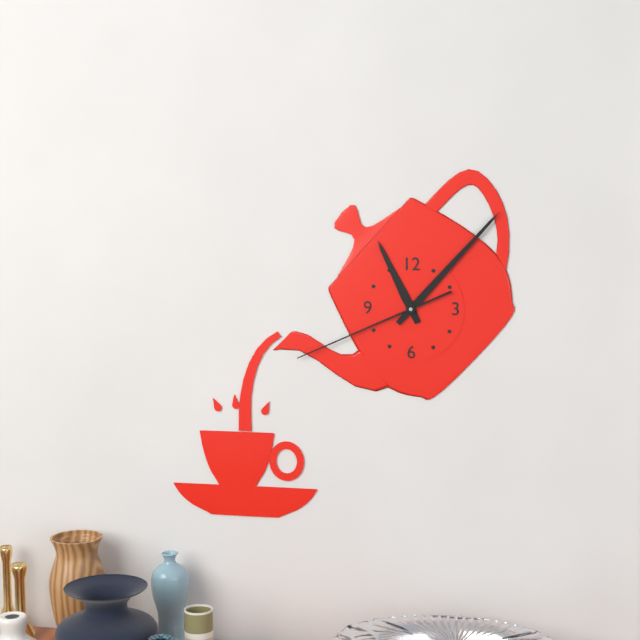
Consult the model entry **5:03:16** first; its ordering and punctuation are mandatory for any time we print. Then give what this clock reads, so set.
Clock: **11:07:41**
